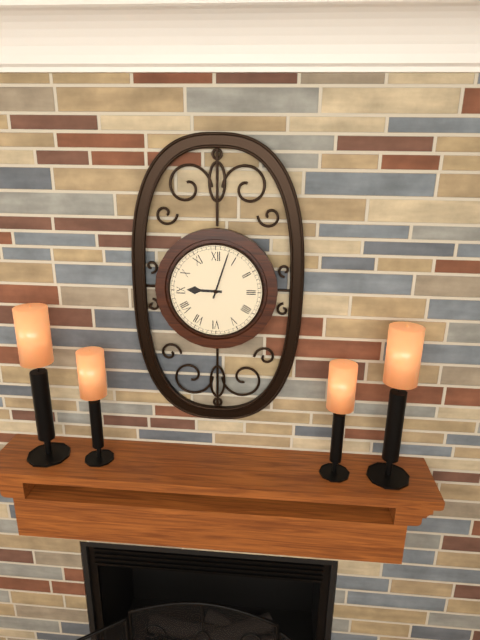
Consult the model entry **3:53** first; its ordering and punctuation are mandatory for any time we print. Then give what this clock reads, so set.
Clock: **9:03**
